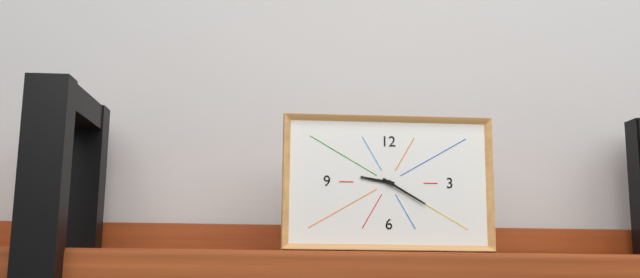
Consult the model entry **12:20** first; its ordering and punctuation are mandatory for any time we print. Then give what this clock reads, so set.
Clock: **9:20**
